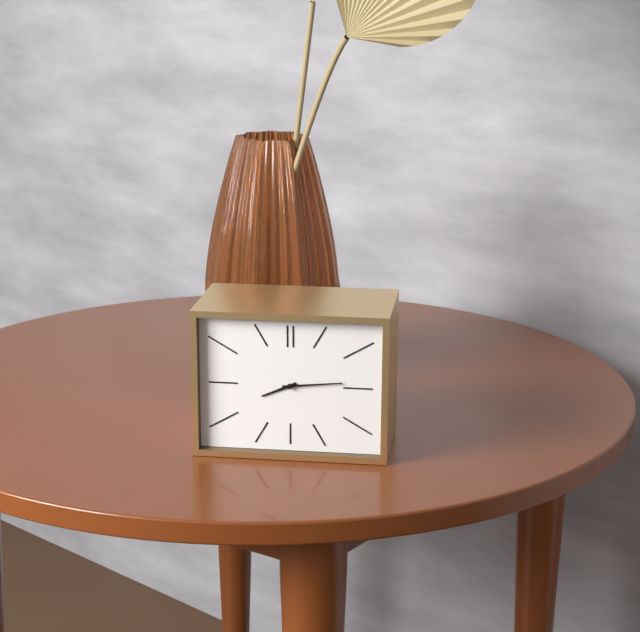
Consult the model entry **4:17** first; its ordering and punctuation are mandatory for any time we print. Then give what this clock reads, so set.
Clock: **8:14**
